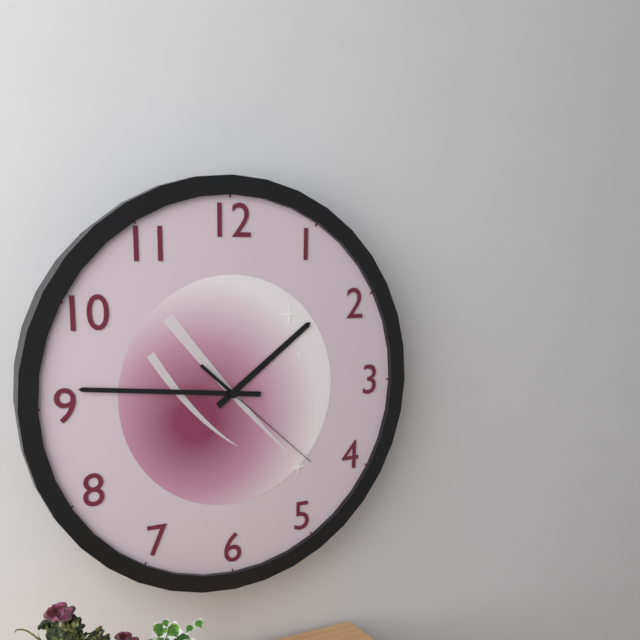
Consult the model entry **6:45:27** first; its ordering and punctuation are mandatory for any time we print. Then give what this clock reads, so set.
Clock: **1:46:22**
